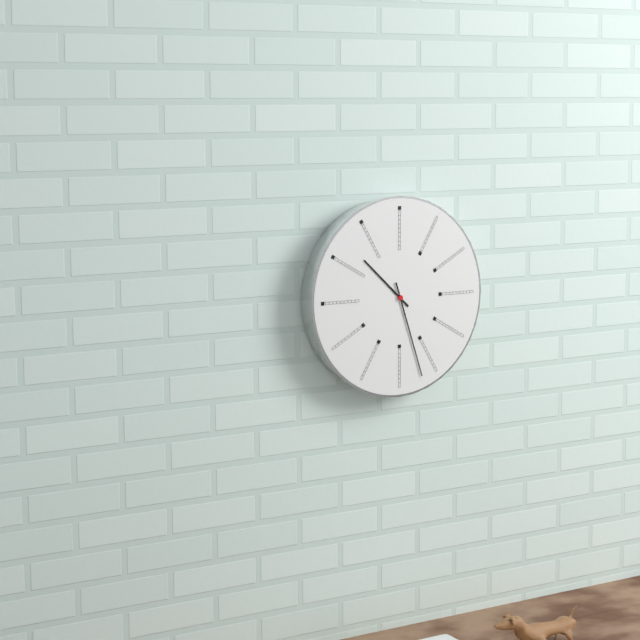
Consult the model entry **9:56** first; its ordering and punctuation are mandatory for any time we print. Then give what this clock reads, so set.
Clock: **10:27**
